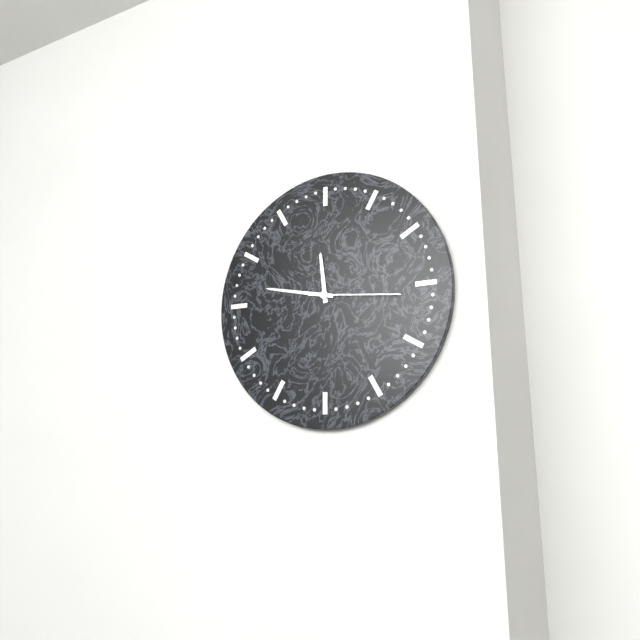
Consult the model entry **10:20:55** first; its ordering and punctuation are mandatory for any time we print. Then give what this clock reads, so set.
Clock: **11:47:16**
